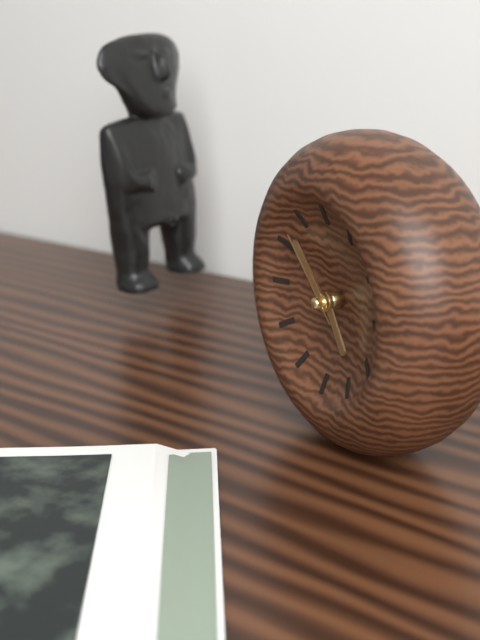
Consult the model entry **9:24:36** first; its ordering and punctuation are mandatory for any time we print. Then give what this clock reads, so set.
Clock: **4:52:52**
